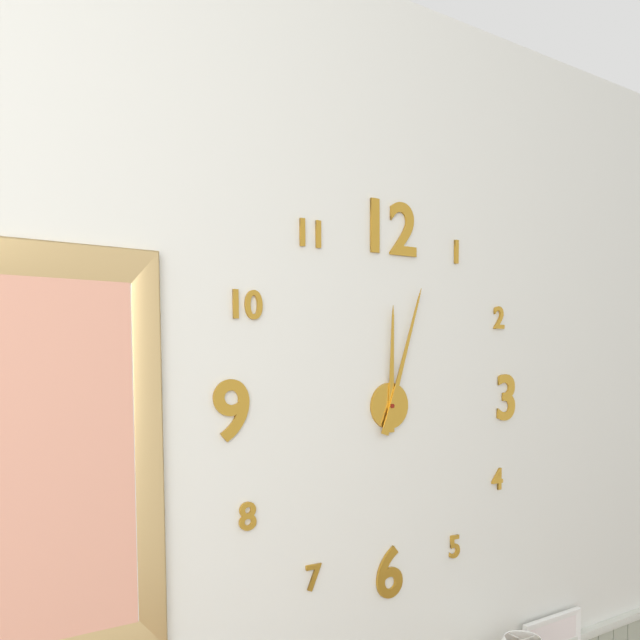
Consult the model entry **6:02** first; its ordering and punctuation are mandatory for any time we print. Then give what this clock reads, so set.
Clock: **12:03**
